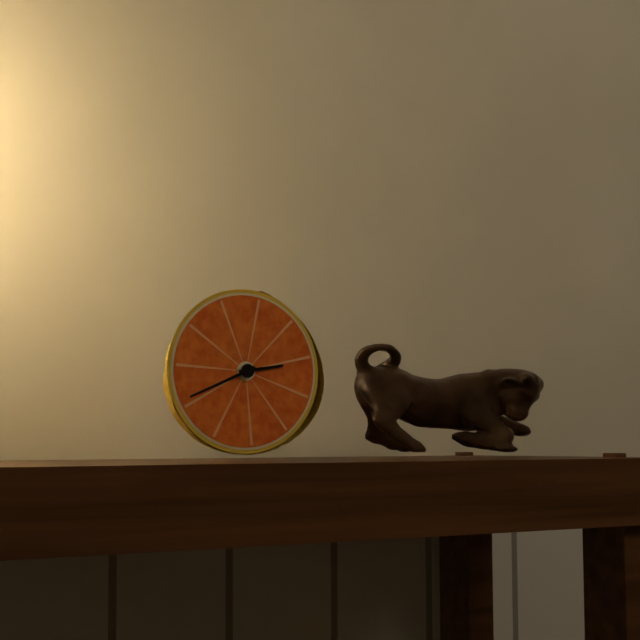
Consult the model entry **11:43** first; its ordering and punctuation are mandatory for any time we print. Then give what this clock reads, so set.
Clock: **2:41**
